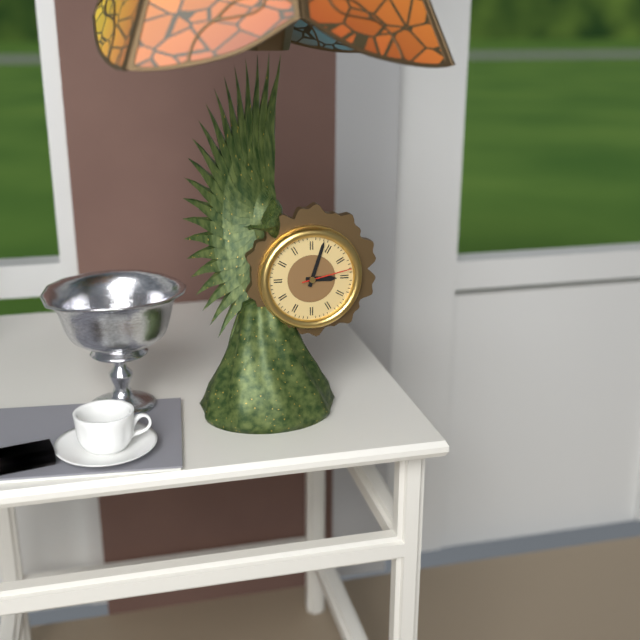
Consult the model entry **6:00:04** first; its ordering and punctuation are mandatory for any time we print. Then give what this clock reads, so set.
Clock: **3:03:13**
